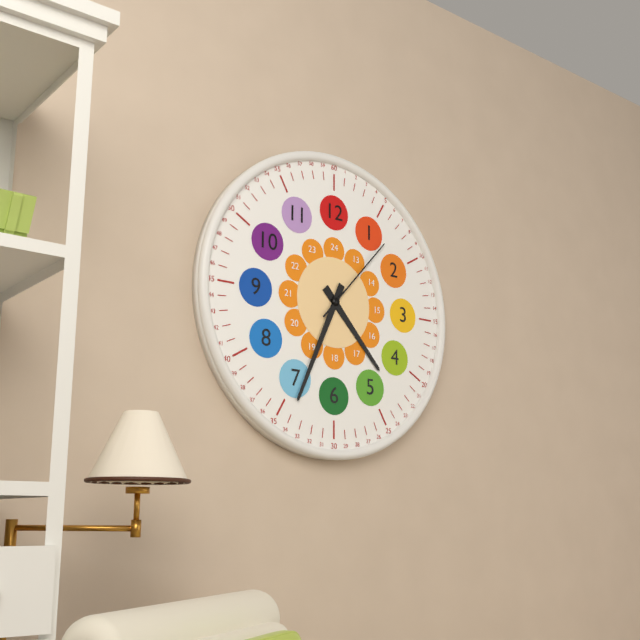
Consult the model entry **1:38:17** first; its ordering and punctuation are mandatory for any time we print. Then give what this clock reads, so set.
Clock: **4:34:07**
